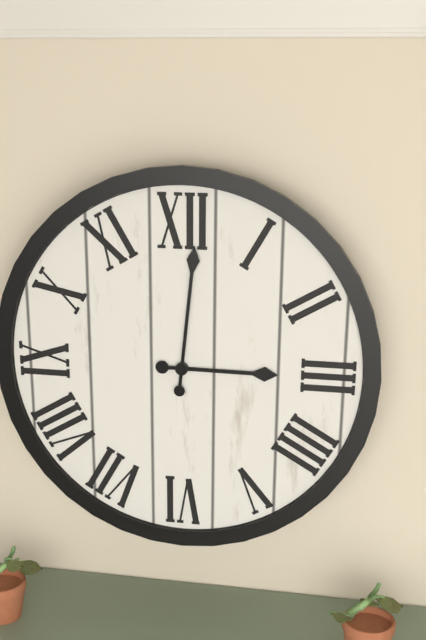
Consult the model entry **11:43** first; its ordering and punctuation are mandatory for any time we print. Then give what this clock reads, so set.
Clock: **3:01**
